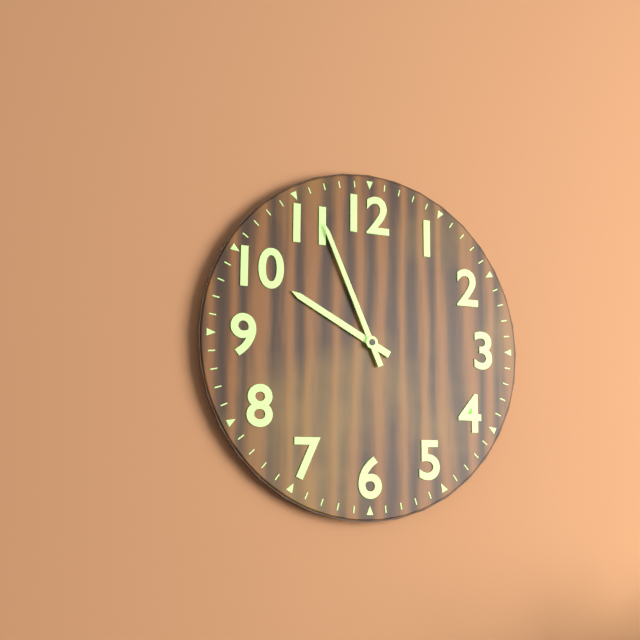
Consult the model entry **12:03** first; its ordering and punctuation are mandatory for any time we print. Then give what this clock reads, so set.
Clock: **9:56**
